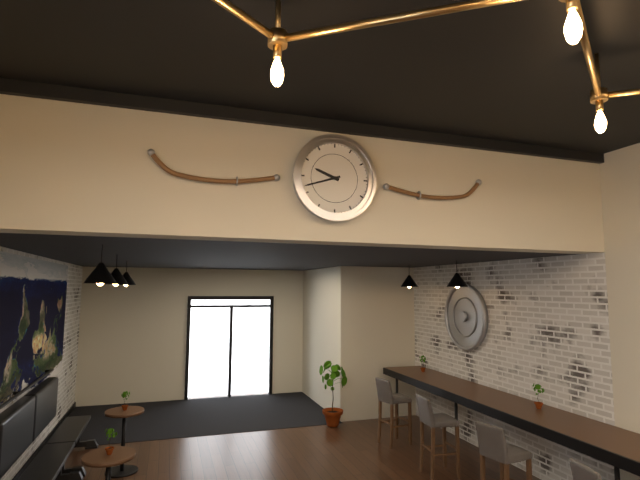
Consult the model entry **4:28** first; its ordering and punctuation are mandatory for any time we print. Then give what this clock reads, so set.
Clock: **9:42**
